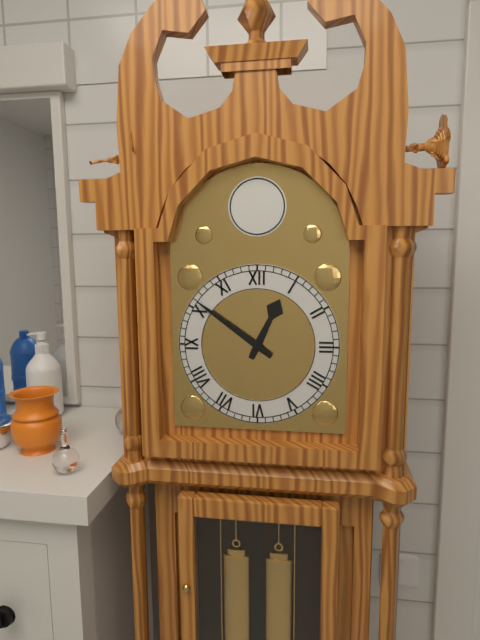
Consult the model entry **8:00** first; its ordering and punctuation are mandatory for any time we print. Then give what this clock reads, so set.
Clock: **12:51**
